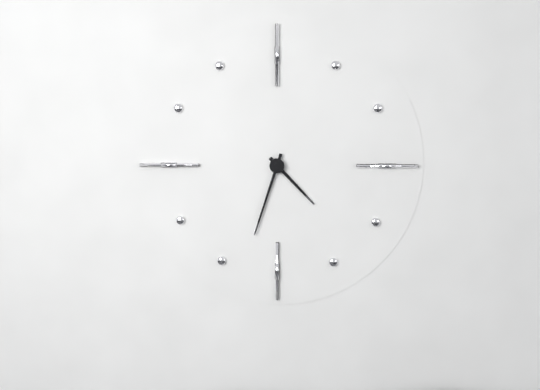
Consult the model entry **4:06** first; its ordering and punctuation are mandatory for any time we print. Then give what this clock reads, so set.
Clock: **4:33**
